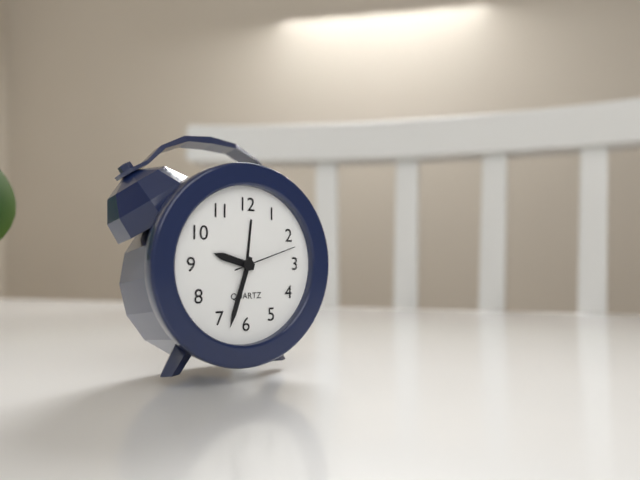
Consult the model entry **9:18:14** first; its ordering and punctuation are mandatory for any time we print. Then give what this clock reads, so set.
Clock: **9:33:12**
